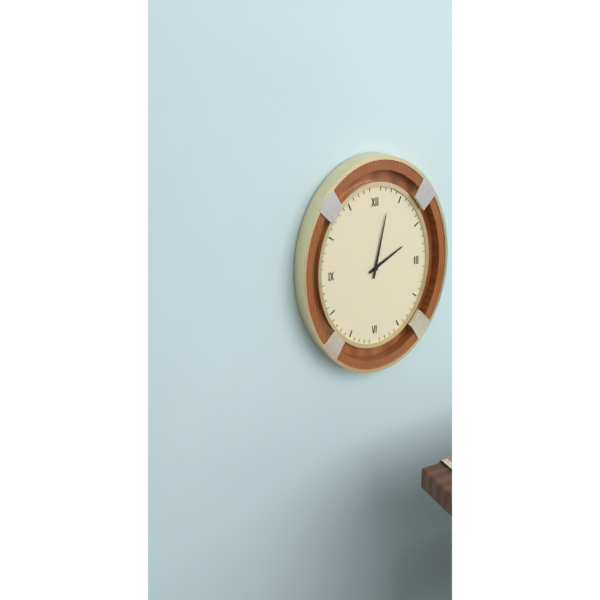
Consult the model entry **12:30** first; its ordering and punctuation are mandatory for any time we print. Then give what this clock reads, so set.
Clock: **2:02**
